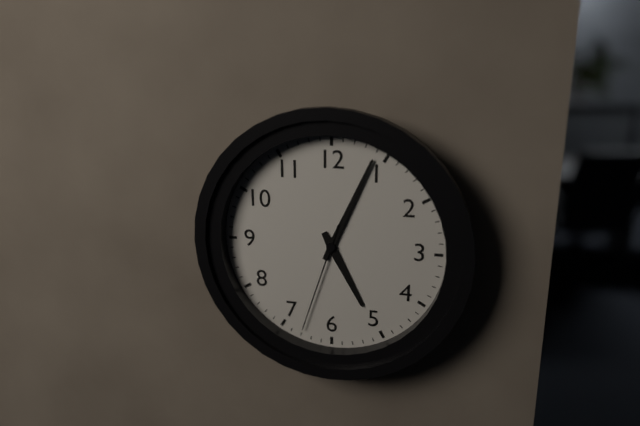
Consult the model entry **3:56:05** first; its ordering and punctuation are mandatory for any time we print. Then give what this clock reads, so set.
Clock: **5:04:33**
